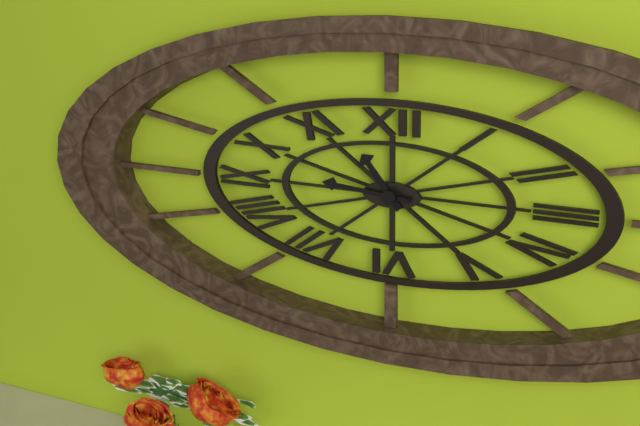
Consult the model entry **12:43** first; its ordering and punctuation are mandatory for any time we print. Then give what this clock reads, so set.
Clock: **10:46**
